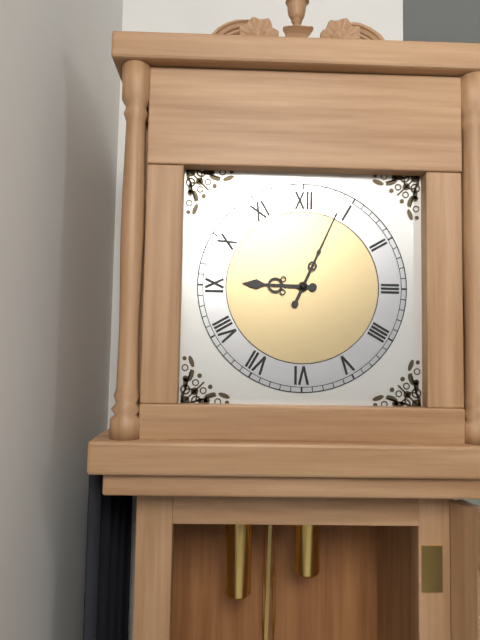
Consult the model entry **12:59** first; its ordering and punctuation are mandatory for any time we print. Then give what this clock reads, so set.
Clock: **9:04**
